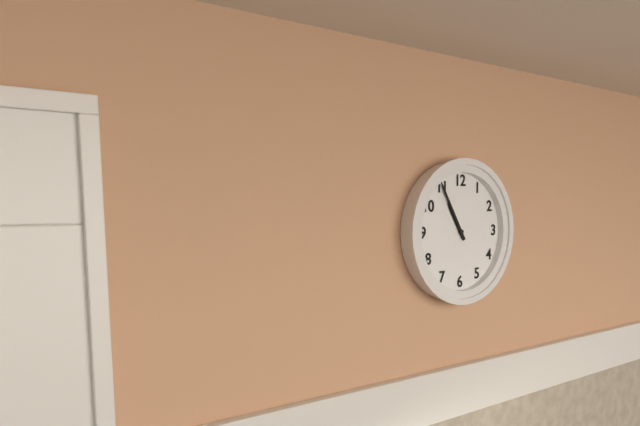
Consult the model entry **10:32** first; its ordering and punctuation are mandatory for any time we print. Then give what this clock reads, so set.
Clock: **10:55**
